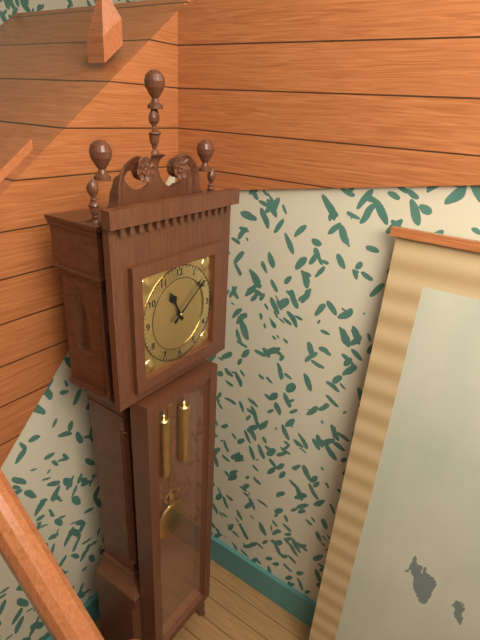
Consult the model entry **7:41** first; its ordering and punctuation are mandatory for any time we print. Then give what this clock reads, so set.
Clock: **11:09**
